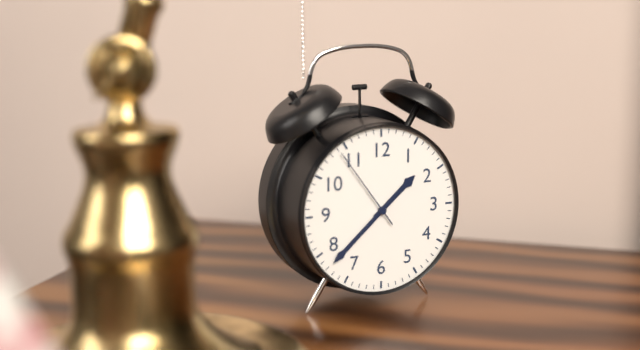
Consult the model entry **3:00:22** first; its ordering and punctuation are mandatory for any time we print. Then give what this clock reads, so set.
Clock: **1:38:54**
